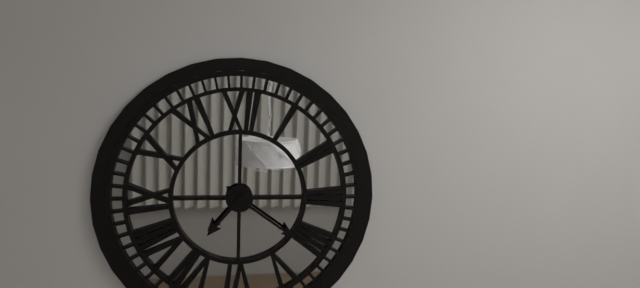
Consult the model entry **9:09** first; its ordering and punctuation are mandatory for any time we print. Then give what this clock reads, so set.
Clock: **7:21**
